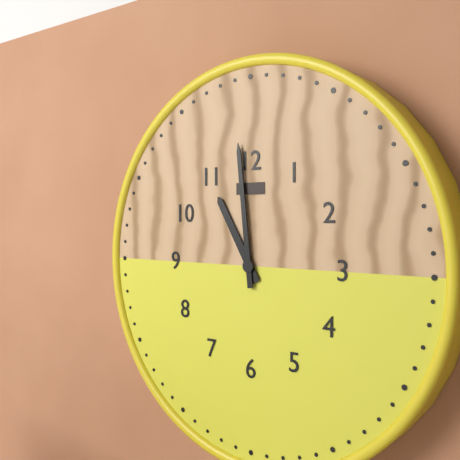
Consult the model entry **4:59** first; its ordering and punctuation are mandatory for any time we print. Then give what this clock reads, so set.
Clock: **10:59**
